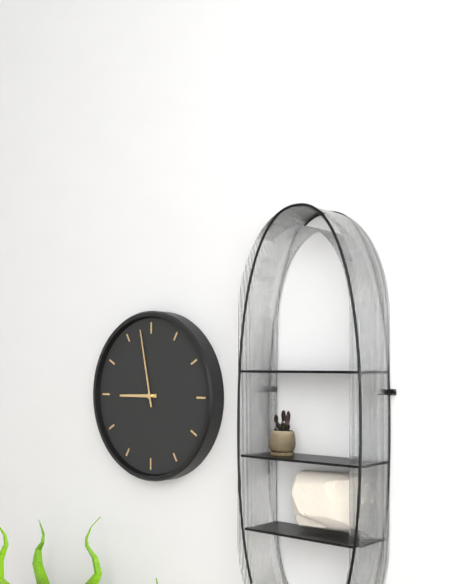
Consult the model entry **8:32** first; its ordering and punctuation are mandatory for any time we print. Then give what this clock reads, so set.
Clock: **8:58**
